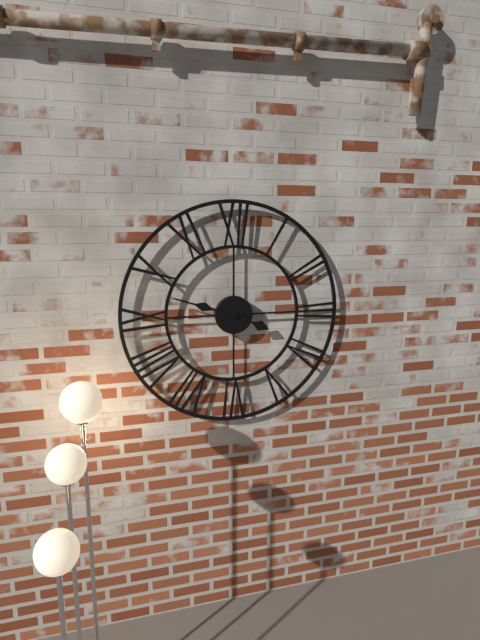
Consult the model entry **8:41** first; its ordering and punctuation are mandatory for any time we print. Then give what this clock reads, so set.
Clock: **3:48**
